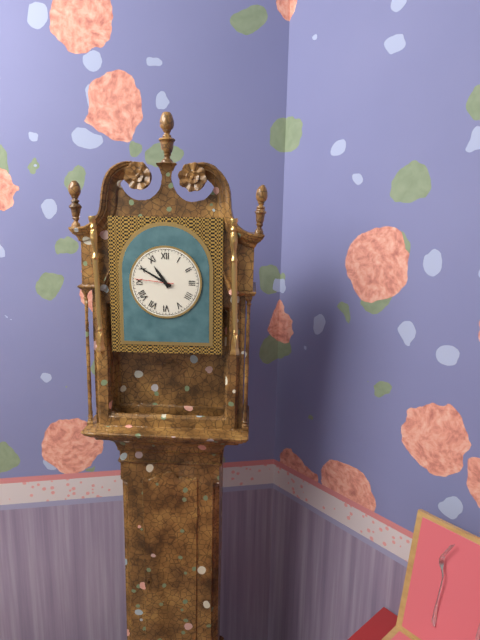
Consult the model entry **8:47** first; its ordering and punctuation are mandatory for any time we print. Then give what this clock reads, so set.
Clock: **10:50**
